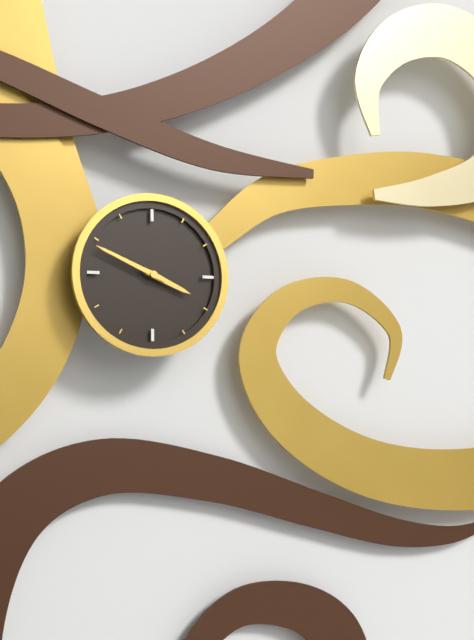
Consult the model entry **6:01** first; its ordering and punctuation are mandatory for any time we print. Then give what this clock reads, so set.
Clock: **3:49**
